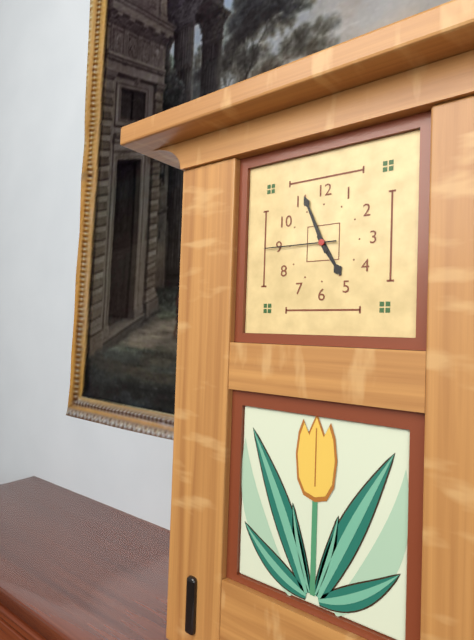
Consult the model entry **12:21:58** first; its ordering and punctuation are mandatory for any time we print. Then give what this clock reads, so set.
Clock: **4:56:45**
